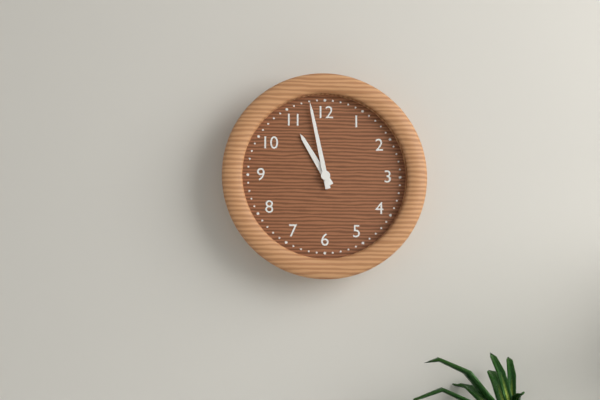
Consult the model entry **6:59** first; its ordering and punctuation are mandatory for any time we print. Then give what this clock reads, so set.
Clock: **10:58**
